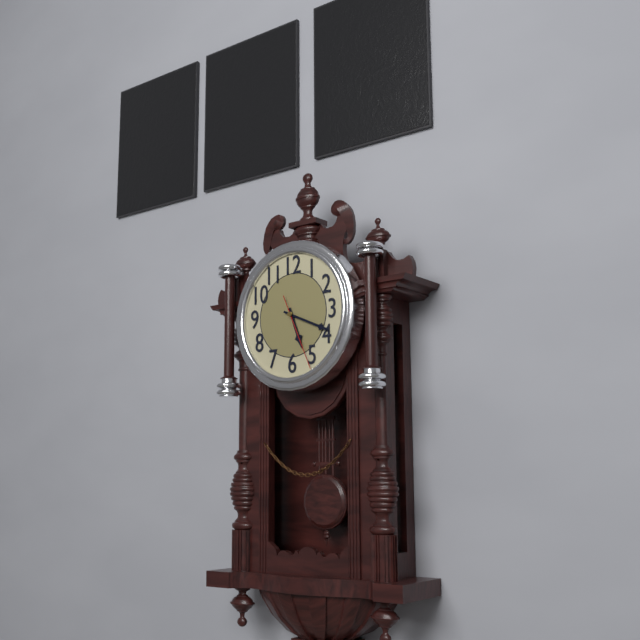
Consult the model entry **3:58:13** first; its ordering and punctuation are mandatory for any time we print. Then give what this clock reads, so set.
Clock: **5:19:26**
